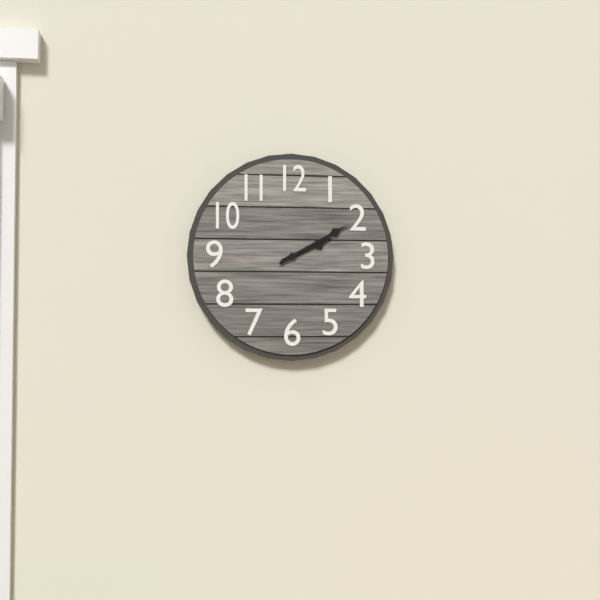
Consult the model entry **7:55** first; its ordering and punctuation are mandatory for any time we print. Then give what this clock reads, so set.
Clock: **2:10**
